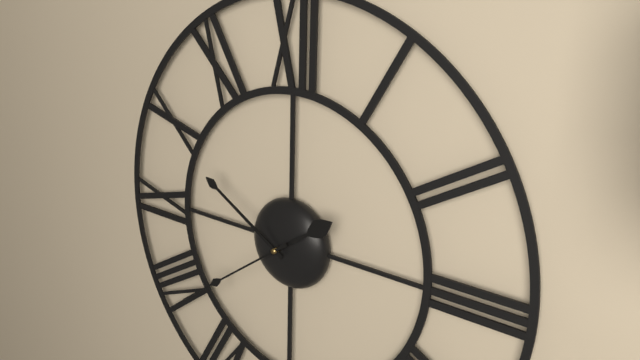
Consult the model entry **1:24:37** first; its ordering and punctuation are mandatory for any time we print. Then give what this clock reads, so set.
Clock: **1:50:39**
